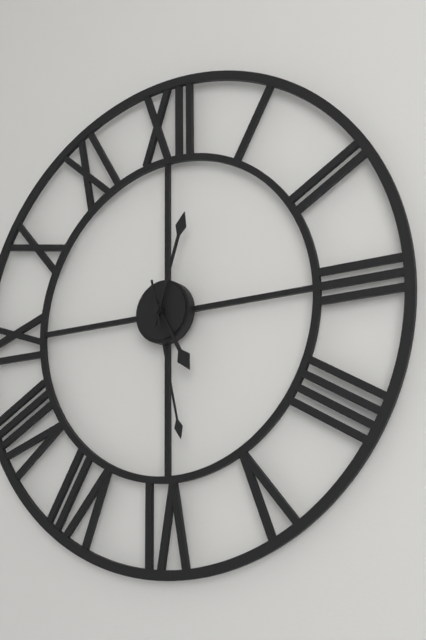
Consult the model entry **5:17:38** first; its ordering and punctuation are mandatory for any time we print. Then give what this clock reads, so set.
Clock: **5:03:28**
